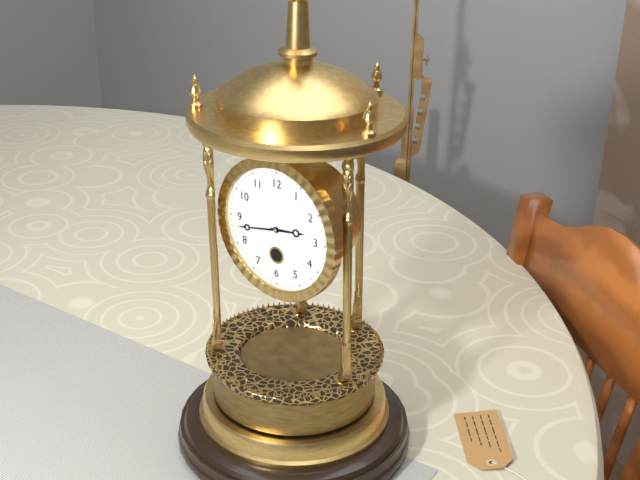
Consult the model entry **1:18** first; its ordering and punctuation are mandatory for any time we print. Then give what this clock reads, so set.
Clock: **2:43**
